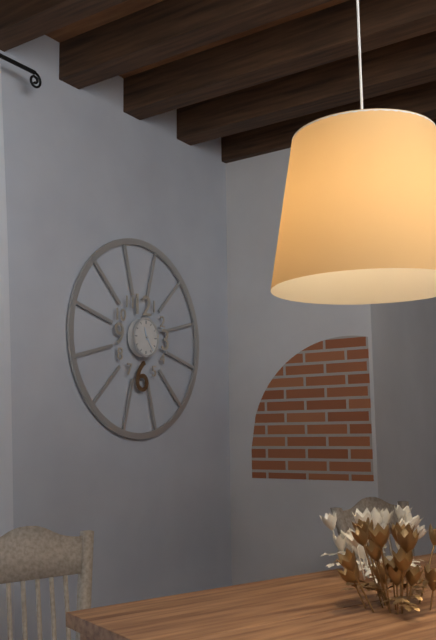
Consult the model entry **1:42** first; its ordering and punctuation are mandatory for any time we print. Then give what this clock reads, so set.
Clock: **11:24**
